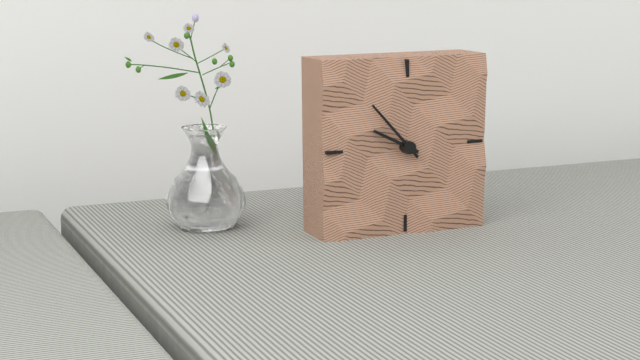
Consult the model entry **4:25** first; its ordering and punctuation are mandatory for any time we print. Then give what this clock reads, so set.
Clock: **9:53**
